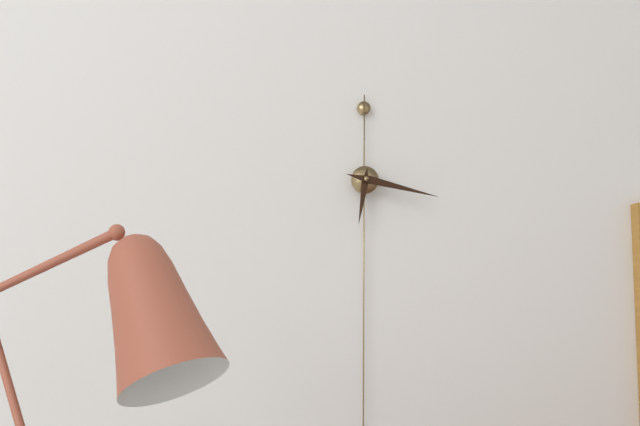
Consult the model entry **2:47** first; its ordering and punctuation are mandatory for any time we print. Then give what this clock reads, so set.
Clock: **6:17**
